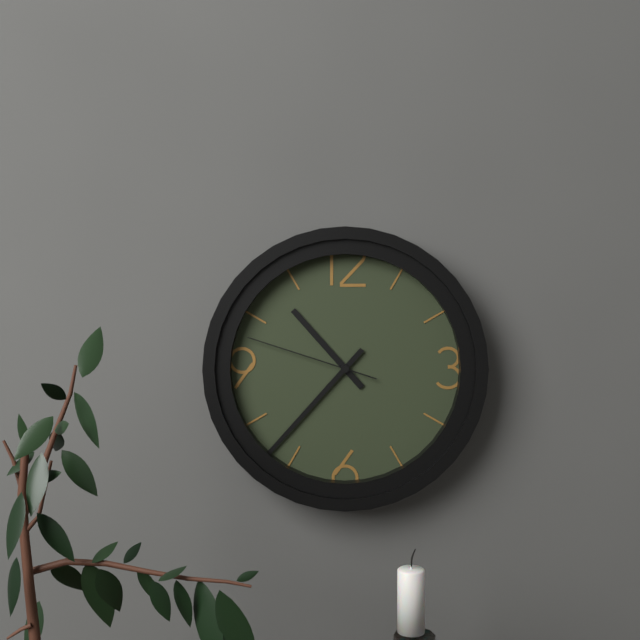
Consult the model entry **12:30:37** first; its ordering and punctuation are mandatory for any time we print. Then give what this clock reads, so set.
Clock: **10:37:48**
